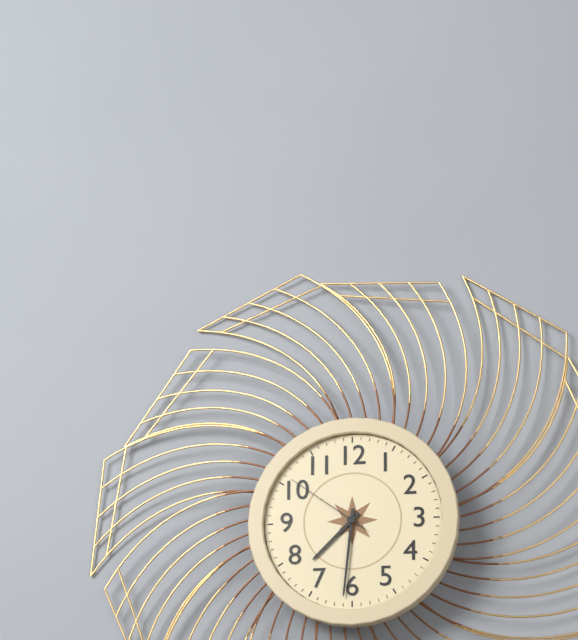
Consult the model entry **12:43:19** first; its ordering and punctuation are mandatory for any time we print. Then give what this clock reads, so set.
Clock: **7:31:51**
